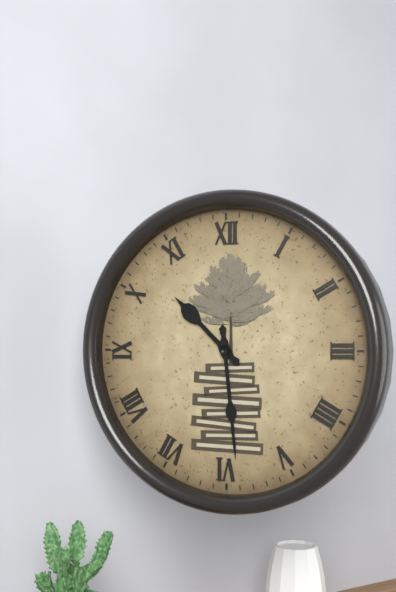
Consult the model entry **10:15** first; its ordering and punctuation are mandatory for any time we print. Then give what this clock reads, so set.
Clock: **10:29**
